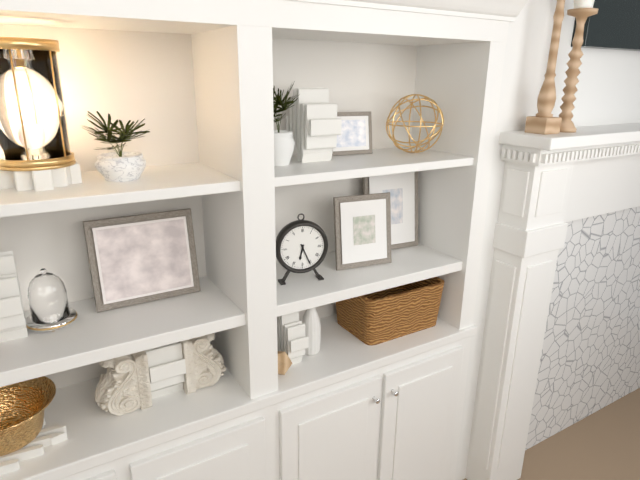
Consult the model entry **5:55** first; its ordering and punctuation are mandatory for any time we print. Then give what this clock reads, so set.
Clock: **6:26**
